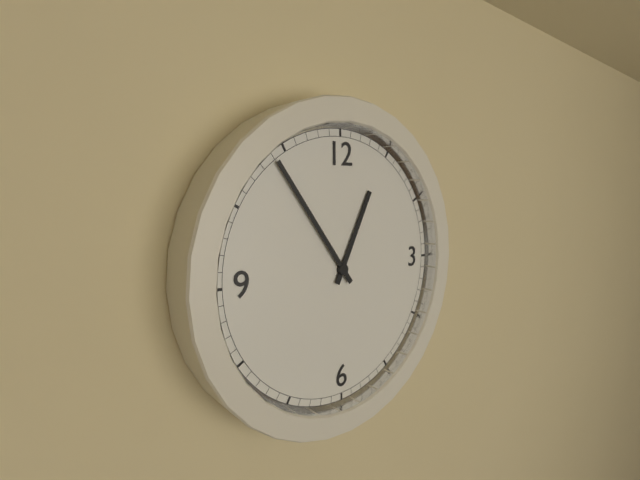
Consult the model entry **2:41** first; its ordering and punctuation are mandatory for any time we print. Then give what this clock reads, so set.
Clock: **12:54**
